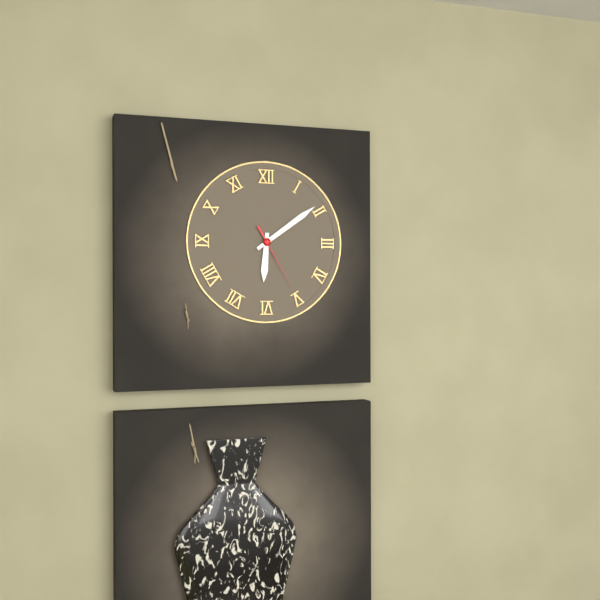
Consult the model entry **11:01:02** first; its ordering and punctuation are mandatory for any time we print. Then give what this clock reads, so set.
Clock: **6:09:25**
